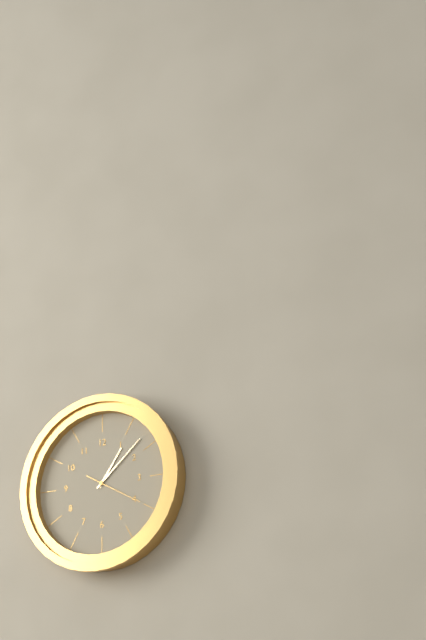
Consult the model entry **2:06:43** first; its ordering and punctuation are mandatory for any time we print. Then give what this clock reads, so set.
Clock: **1:08:20**
